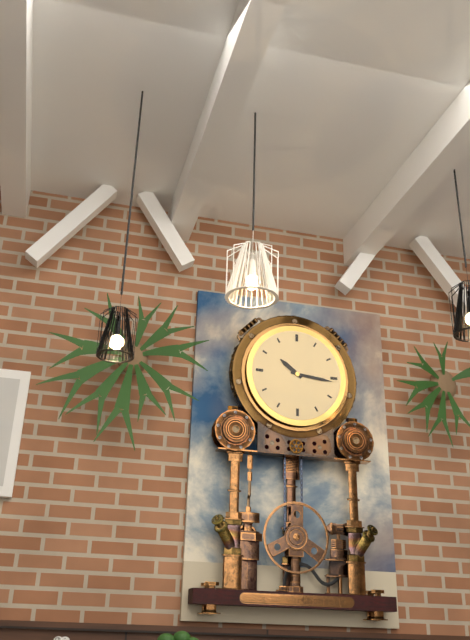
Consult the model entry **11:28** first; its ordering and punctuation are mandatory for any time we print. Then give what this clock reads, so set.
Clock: **10:16**
